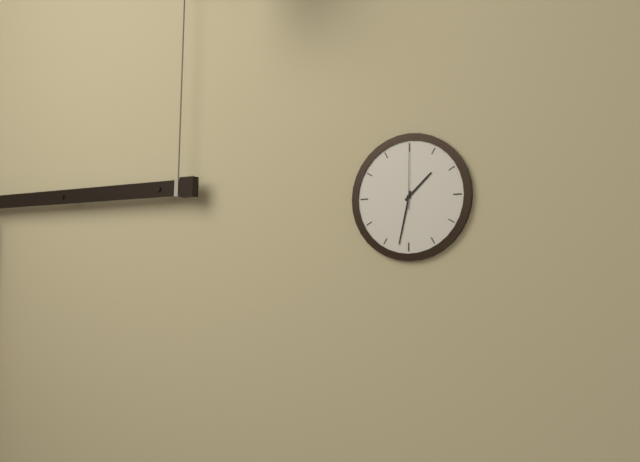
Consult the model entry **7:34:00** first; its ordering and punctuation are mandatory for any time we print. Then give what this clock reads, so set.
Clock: **1:32:00**
